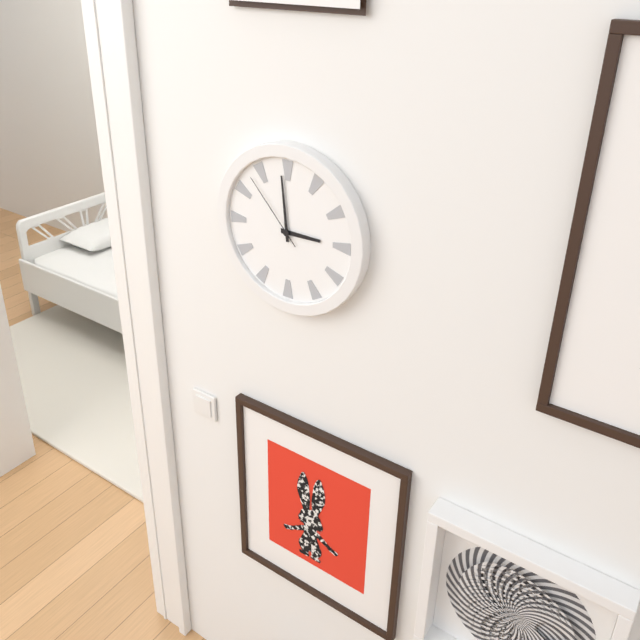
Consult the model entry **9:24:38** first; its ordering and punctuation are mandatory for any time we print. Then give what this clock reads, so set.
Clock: **2:59:53**
